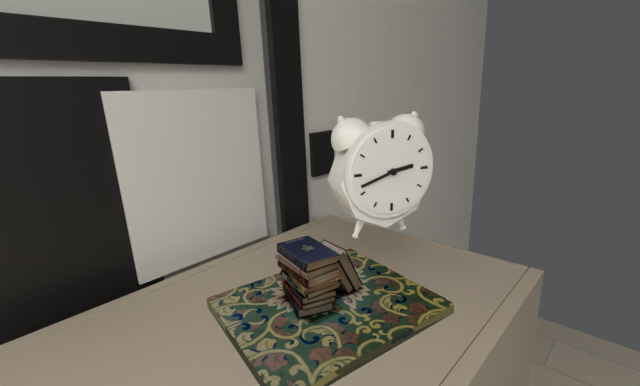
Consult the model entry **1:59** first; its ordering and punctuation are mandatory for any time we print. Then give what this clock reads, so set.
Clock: **2:42**
